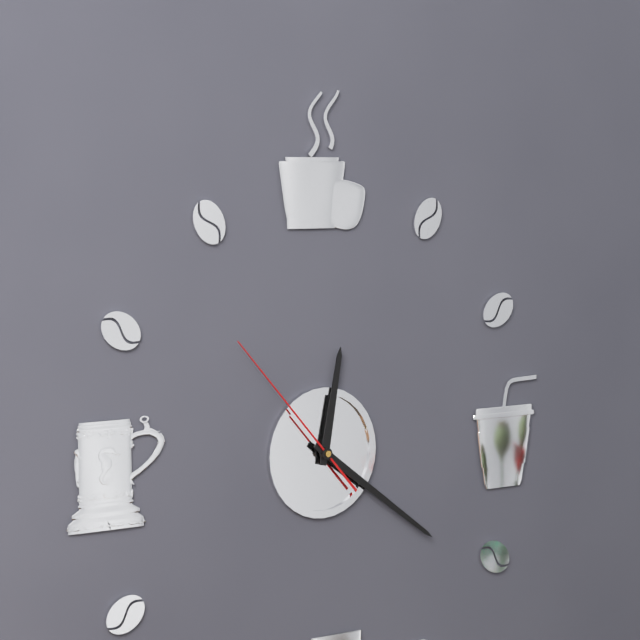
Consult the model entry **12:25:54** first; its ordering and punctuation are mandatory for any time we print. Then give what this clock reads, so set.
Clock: **12:21:53**
